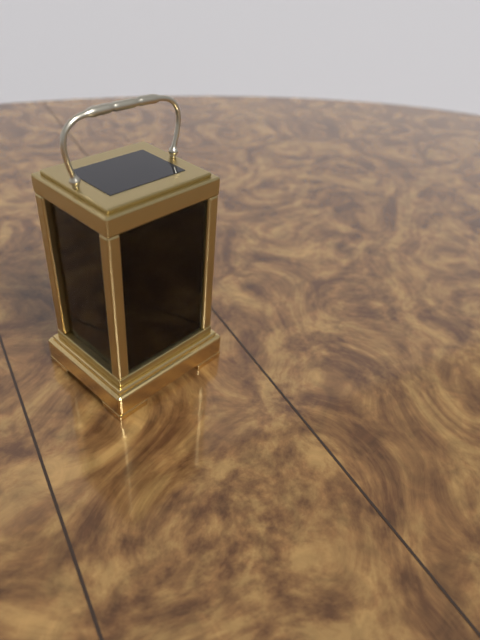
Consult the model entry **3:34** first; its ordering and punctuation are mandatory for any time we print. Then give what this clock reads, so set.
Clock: **9:41**
